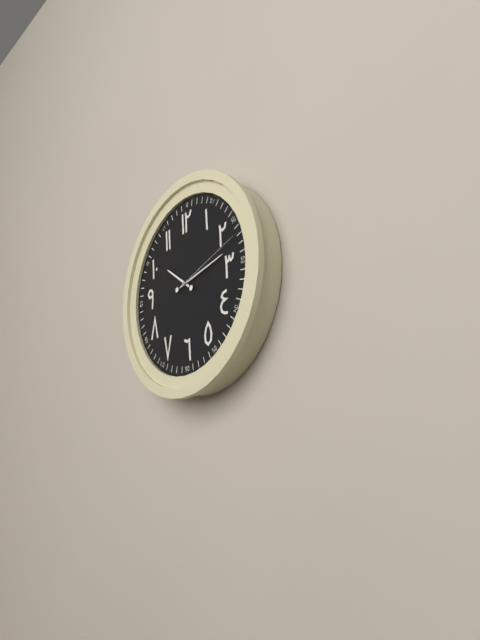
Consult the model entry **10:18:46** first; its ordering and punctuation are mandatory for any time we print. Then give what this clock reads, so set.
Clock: **10:13:12**
